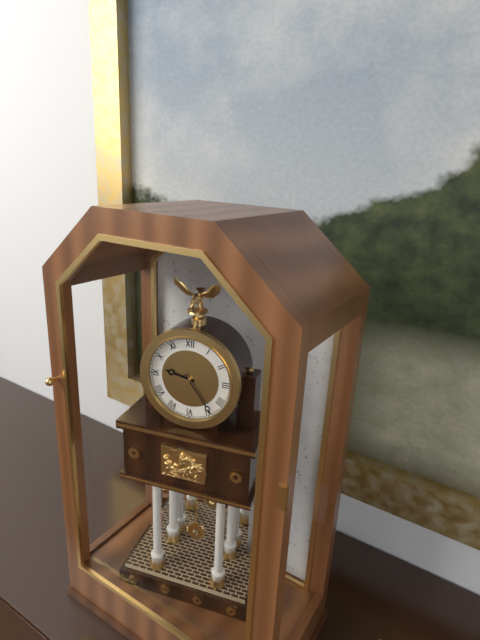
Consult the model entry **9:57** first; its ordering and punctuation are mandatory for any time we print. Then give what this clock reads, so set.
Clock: **9:24**
